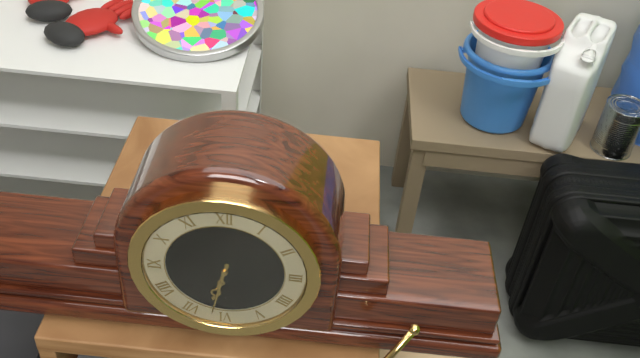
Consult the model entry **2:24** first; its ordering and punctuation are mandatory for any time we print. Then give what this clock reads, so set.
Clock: **6:32**
